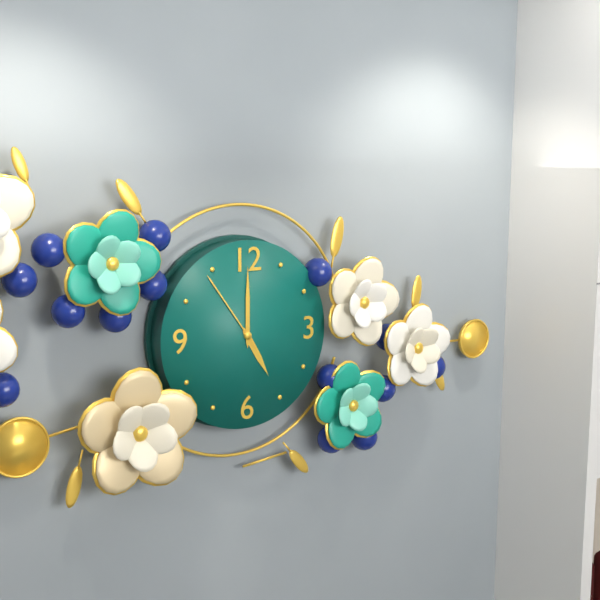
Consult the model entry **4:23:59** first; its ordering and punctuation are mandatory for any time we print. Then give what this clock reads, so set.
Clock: **5:00:54**
